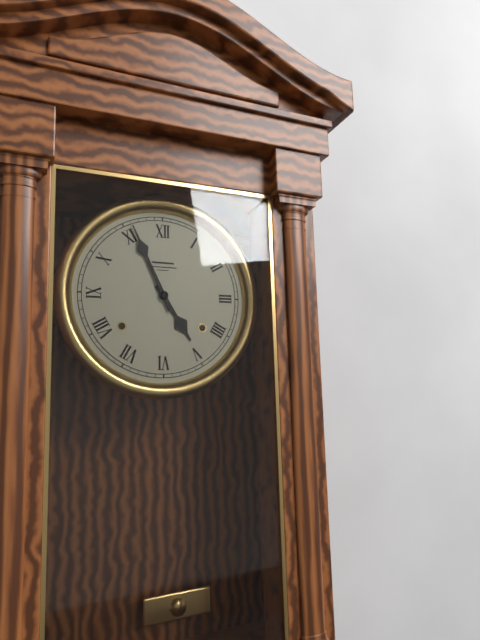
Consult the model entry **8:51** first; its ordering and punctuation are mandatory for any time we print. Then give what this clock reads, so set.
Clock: **4:56**
